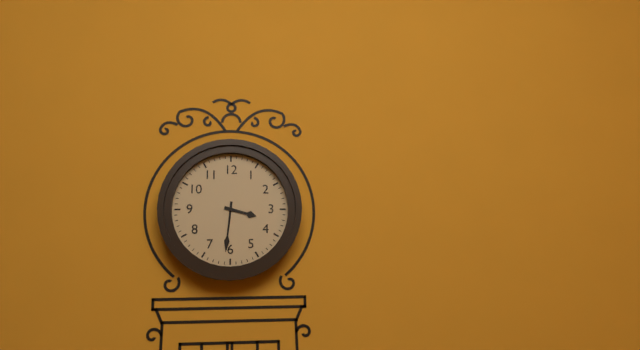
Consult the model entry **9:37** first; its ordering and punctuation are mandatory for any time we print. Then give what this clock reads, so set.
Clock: **3:31**
